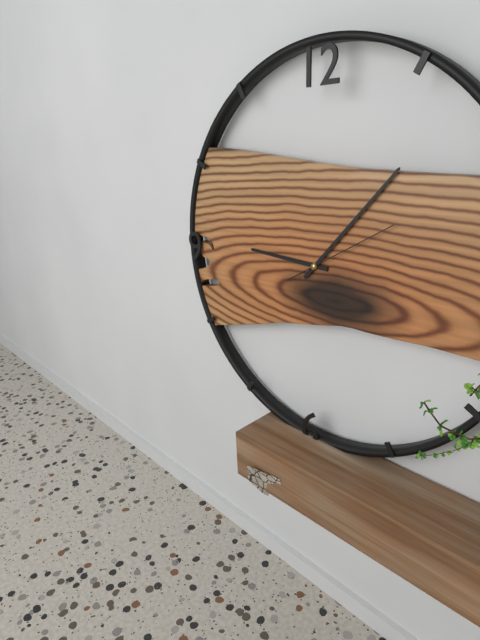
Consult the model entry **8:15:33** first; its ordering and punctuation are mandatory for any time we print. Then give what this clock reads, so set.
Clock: **9:07:10**
